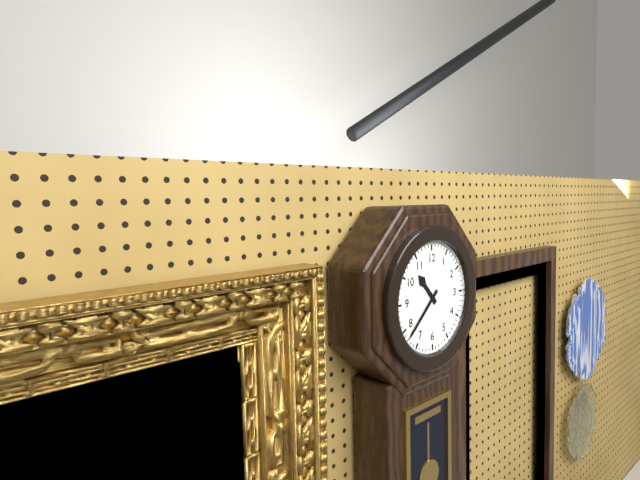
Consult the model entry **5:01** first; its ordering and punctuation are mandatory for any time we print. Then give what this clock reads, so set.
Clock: **10:38**
